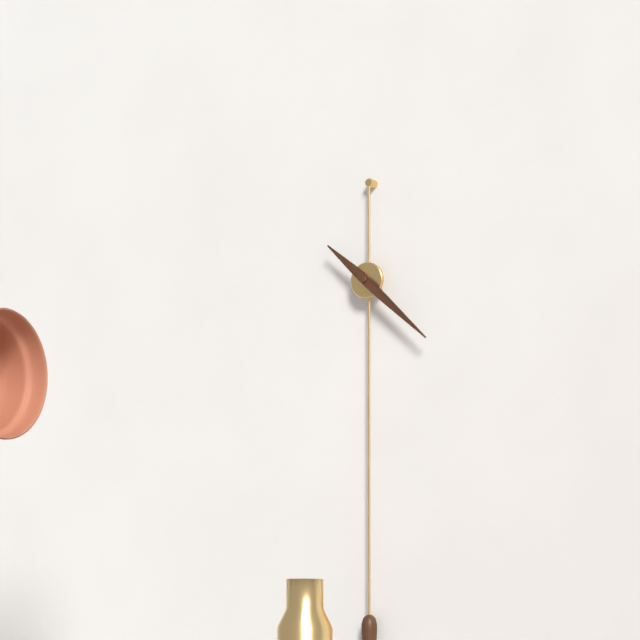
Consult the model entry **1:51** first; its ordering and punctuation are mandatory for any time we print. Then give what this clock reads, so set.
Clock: **10:22**
